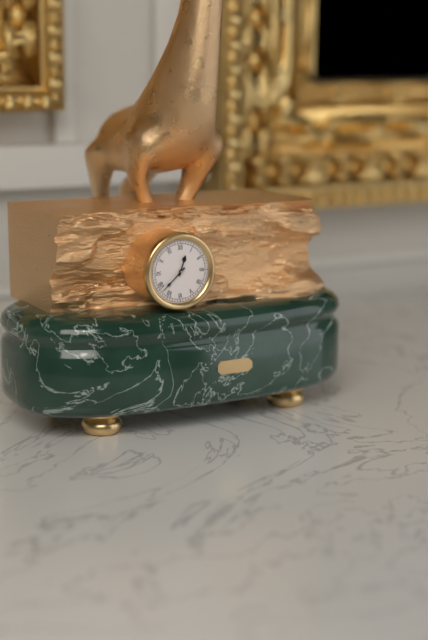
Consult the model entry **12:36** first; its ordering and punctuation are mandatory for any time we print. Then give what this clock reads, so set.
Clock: **12:38**
